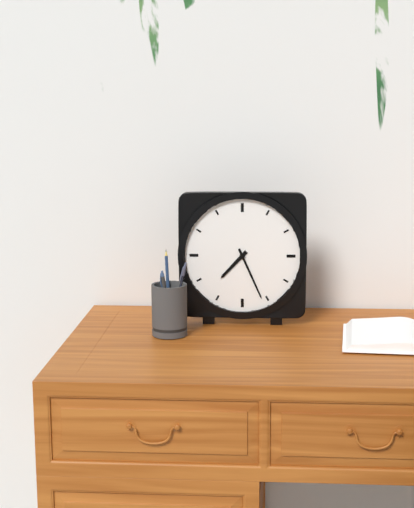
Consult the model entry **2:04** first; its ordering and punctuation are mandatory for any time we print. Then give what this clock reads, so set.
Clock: **7:26**
